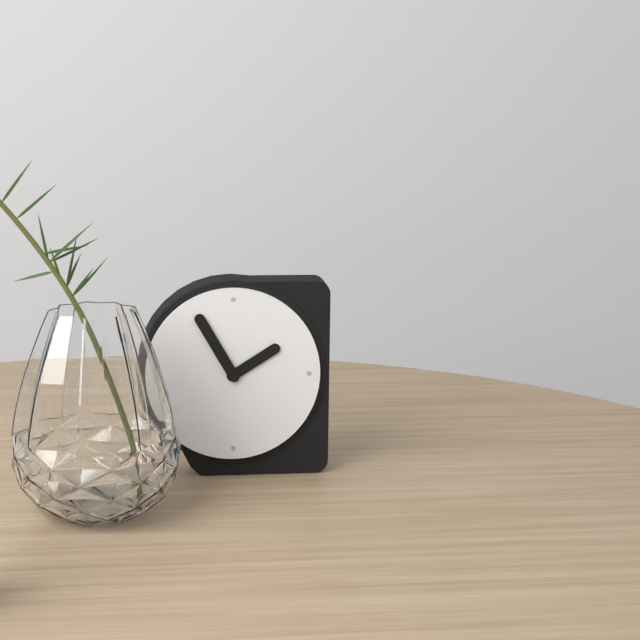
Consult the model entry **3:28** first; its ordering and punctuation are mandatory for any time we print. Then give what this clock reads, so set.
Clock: **1:55**
